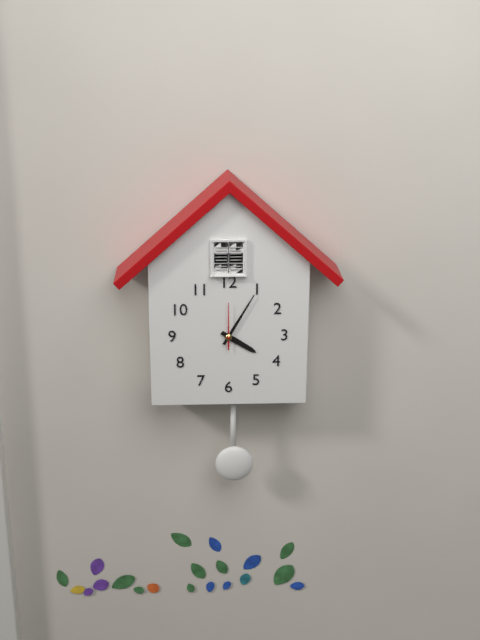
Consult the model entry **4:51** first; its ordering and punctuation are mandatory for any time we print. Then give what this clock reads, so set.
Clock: **4:05**
